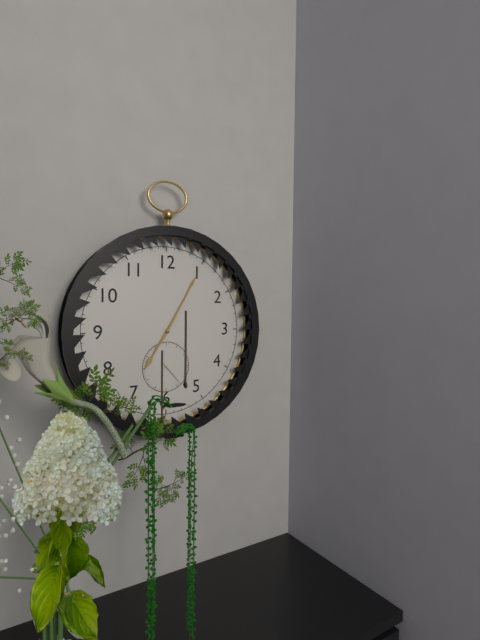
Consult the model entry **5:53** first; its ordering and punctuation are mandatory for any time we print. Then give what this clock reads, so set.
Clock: **7:05**
